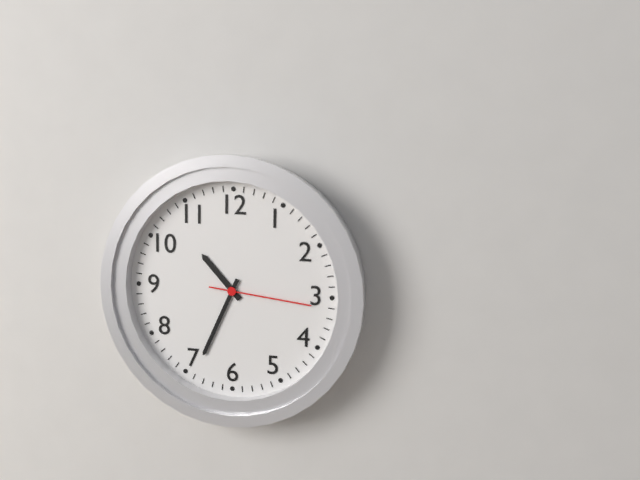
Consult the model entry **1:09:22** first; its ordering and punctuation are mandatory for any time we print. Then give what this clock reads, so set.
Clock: **10:34:16**
